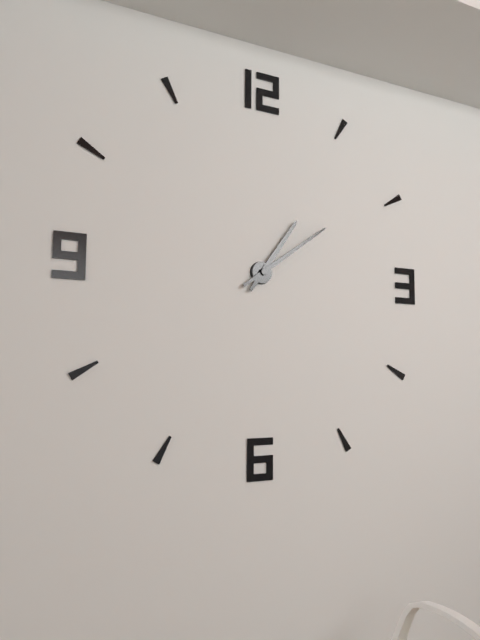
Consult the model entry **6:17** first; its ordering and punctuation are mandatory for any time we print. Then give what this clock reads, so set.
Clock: **1:09**
